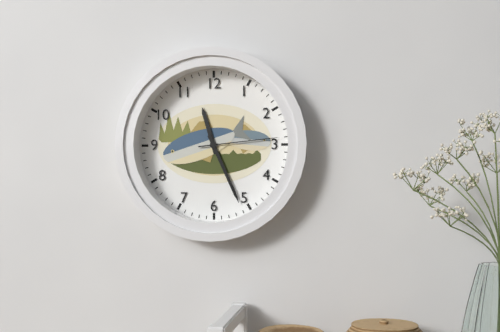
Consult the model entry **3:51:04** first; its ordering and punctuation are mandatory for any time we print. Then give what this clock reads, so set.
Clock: **11:26:14**
